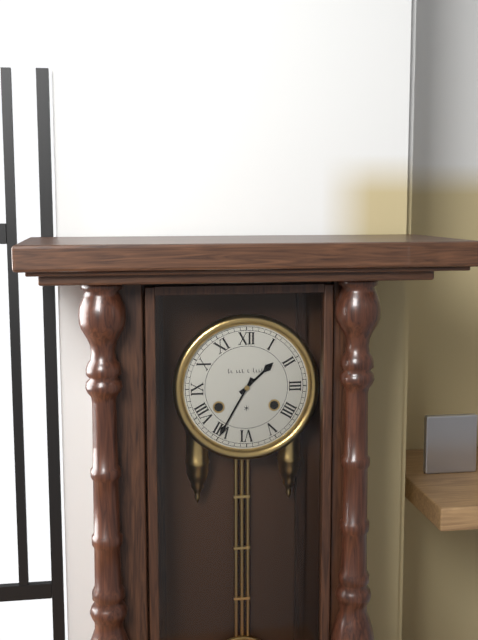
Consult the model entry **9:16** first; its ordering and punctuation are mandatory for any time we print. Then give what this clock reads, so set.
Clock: **1:35**
